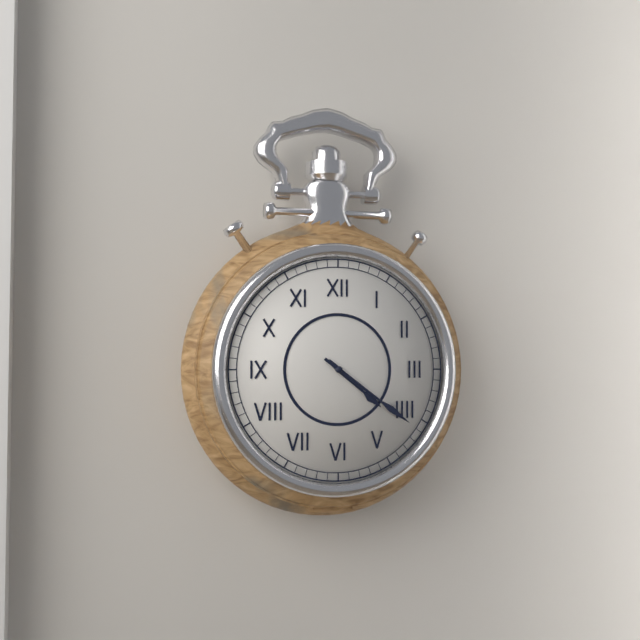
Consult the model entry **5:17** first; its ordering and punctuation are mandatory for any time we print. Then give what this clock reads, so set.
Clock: **4:21**
